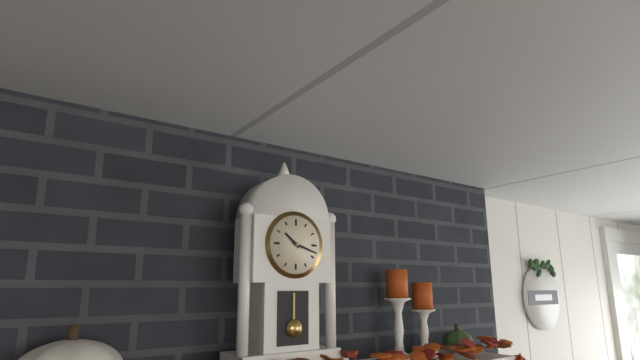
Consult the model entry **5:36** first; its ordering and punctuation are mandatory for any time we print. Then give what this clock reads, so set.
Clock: **10:18**
